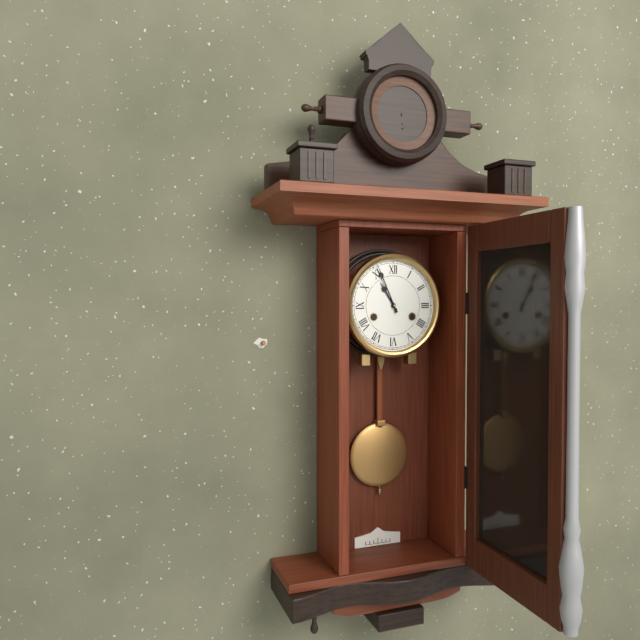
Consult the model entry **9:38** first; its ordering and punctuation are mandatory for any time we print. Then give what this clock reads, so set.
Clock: **10:56**
